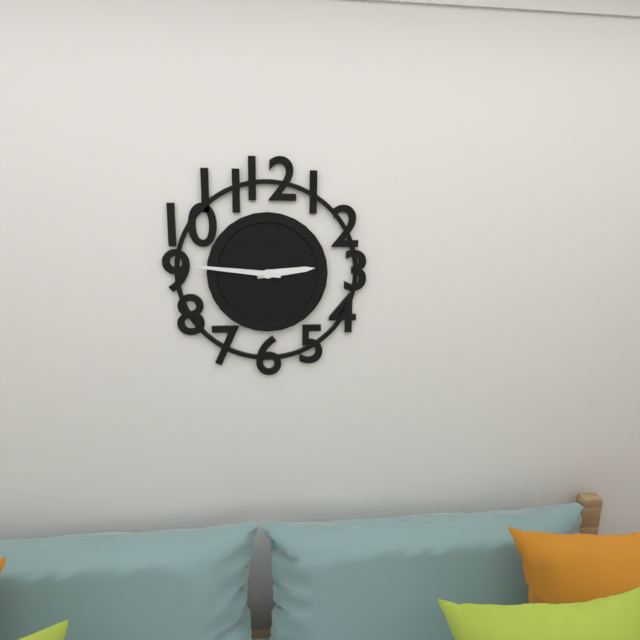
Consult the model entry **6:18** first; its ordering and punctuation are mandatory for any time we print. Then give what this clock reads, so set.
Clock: **2:46**
